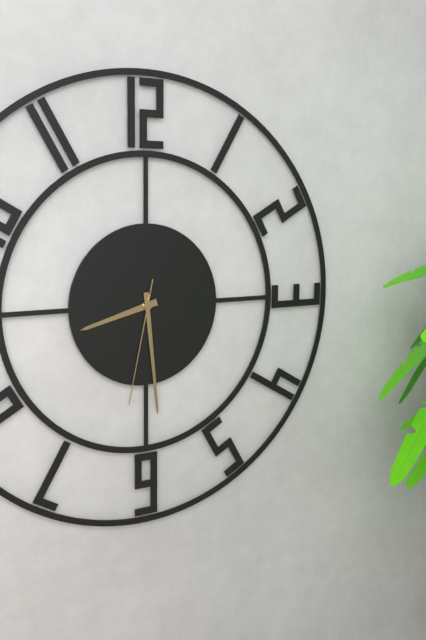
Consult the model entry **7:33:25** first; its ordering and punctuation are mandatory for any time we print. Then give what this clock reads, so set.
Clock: **8:29:32**
